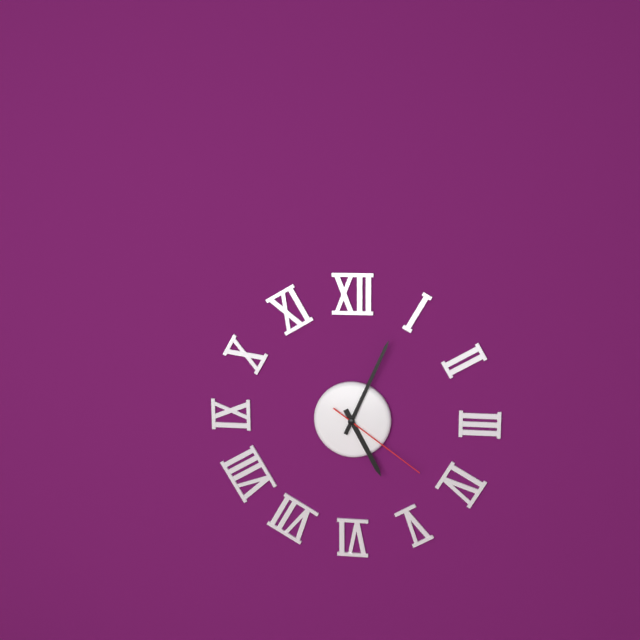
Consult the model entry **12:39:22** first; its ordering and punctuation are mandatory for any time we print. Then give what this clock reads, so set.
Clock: **5:04:21**
